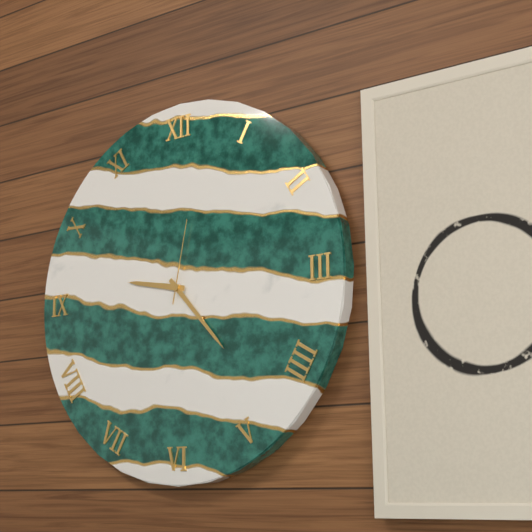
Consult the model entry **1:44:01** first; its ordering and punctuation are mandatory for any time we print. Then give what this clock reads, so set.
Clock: **9:23:02**
